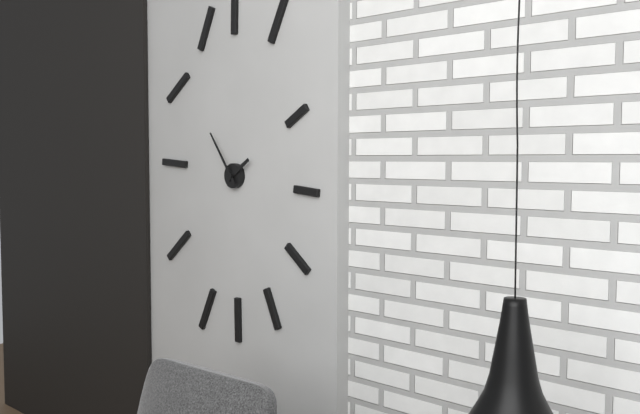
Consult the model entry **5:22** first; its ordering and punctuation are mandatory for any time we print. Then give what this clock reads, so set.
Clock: **1:54**
